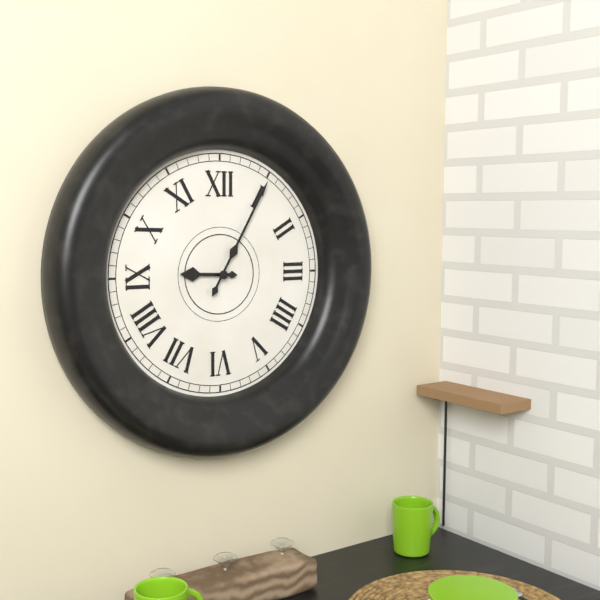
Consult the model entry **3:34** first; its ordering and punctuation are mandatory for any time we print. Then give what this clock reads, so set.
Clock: **9:05**
